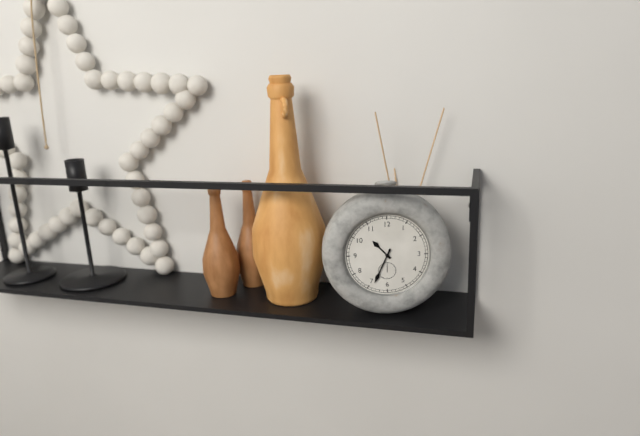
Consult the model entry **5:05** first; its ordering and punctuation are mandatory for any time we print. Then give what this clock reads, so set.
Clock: **10:34**
